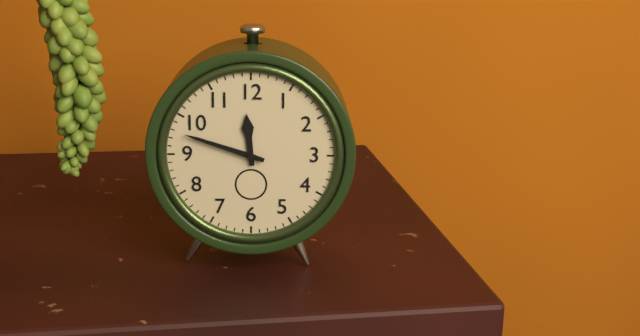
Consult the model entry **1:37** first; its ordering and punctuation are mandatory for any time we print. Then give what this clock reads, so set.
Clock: **11:48**
